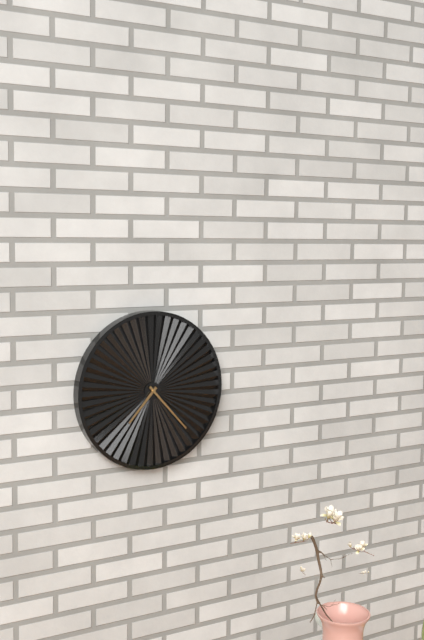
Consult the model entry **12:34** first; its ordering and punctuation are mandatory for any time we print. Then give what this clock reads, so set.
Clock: **7:23**
